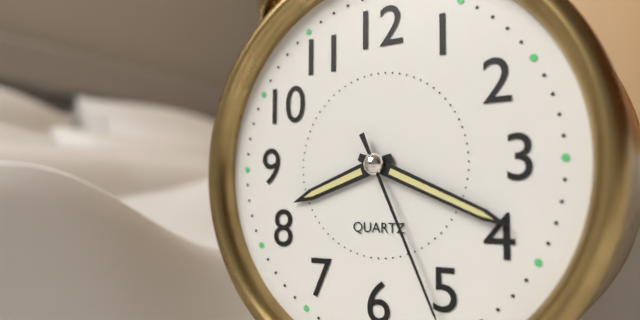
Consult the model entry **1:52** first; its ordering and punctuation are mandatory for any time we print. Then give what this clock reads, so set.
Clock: **8:19**
